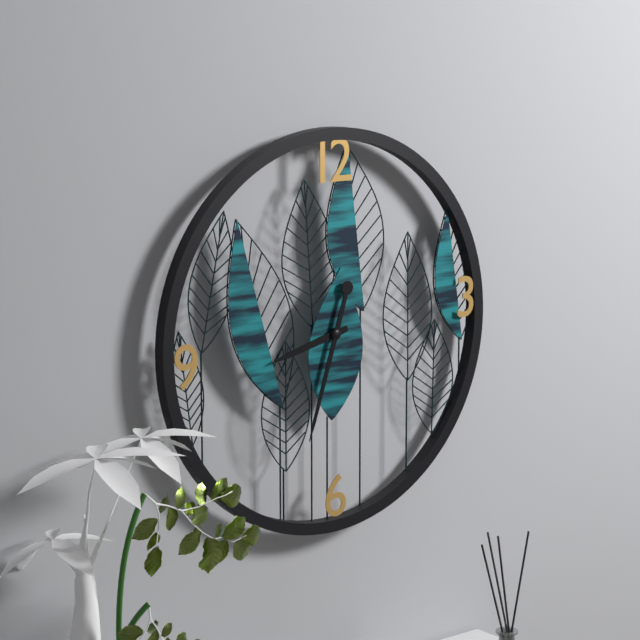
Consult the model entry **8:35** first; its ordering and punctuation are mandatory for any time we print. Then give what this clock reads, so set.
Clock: **8:33**
